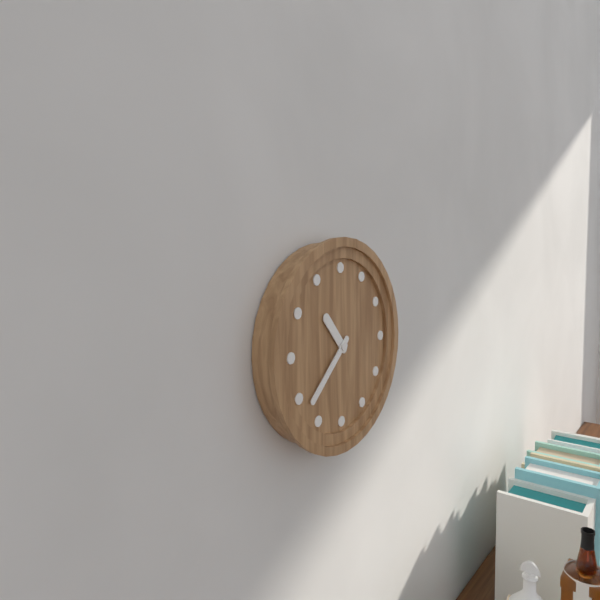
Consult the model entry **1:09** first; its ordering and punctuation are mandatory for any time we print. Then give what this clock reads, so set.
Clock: **10:38**
